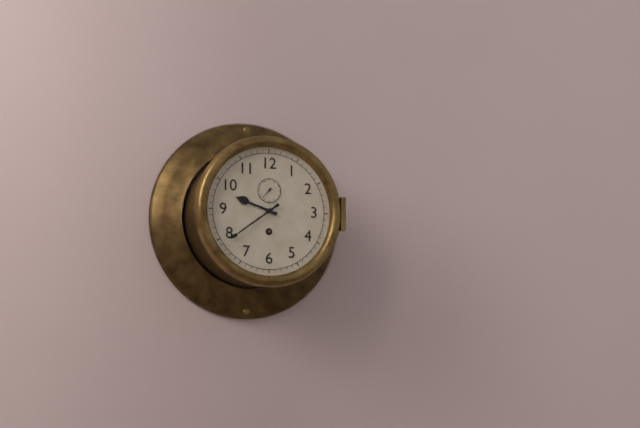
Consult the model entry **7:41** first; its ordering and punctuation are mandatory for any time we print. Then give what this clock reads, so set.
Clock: **9:39**
